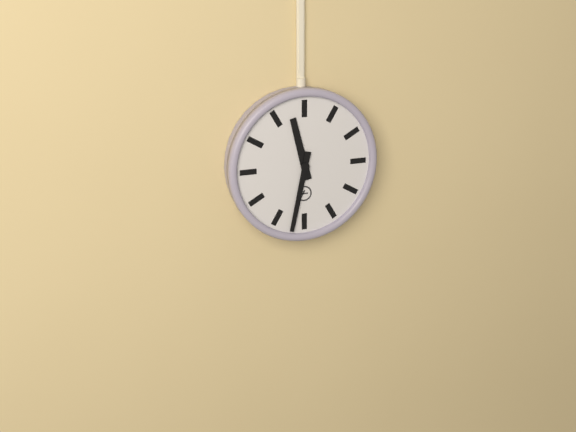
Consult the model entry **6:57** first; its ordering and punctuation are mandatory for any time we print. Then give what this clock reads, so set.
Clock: **11:32**
